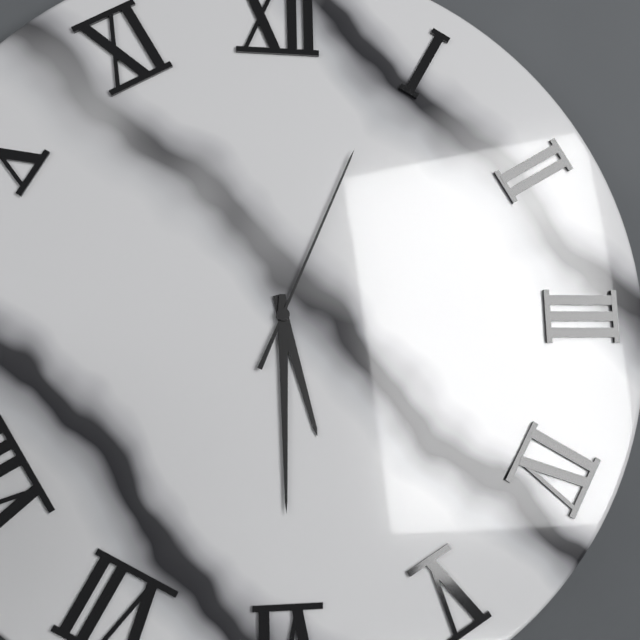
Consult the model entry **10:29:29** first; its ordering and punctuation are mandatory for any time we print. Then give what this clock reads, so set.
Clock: **5:30:04**
